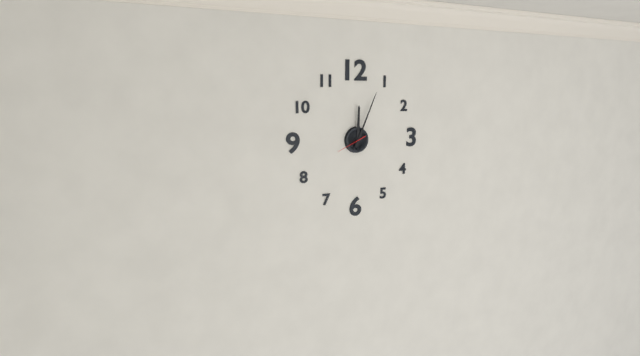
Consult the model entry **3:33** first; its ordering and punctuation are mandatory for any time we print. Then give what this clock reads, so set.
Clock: **12:04**
